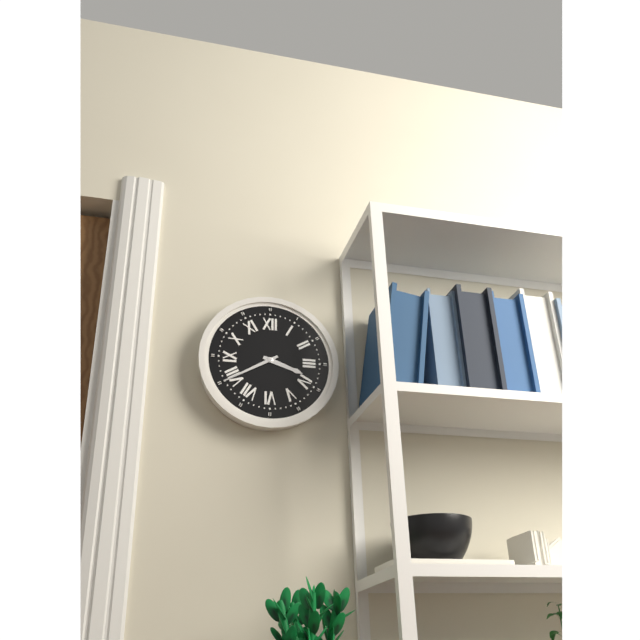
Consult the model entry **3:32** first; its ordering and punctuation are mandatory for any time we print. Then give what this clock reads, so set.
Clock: **3:40**
